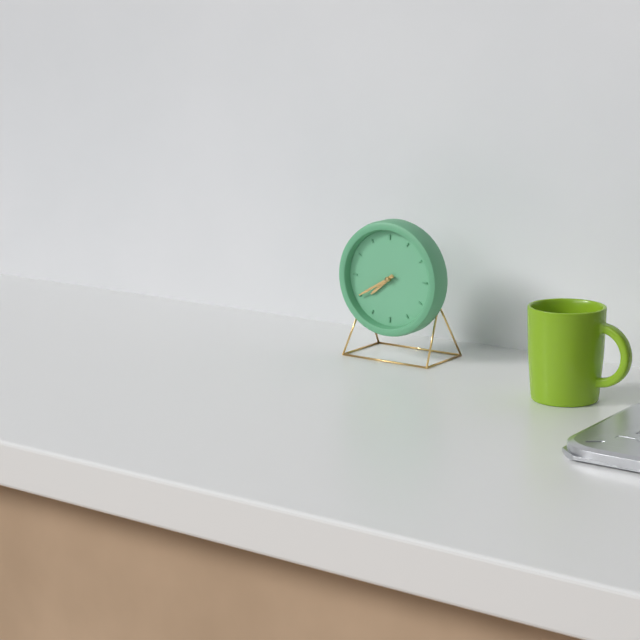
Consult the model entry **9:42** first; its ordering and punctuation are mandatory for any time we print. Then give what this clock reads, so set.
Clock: **7:40**
